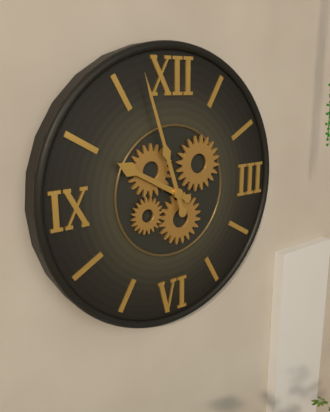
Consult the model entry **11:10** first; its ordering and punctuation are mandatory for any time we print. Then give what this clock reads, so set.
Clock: **9:57**
